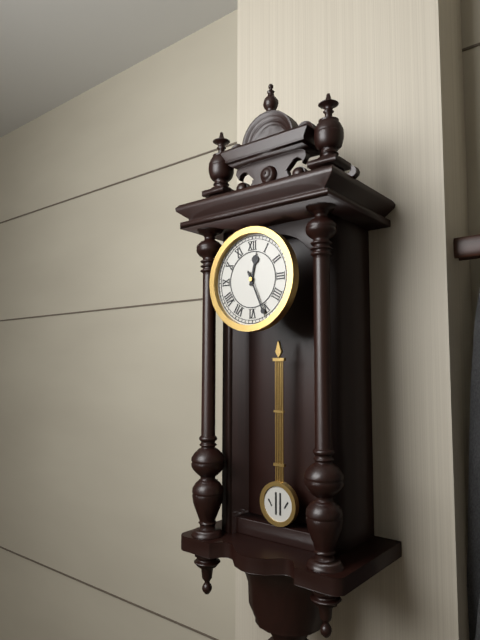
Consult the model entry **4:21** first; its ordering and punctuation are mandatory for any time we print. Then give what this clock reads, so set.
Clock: **12:26**
